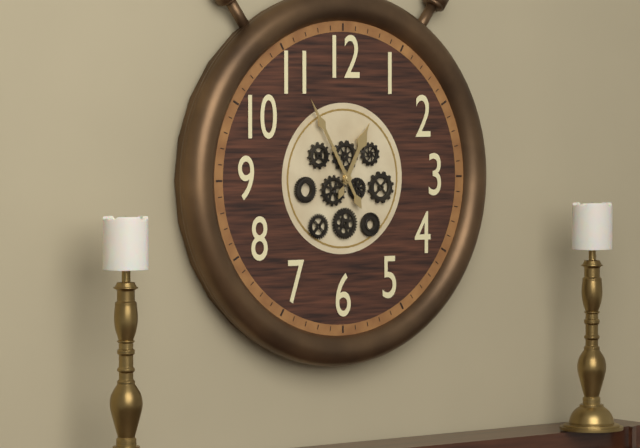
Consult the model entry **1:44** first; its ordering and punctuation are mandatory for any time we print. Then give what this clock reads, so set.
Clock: **12:55**
